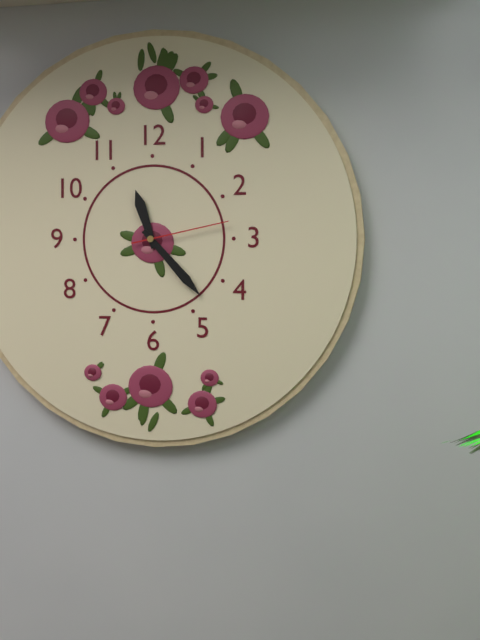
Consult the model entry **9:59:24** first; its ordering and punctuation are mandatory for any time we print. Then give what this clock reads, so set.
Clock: **11:23:13**
